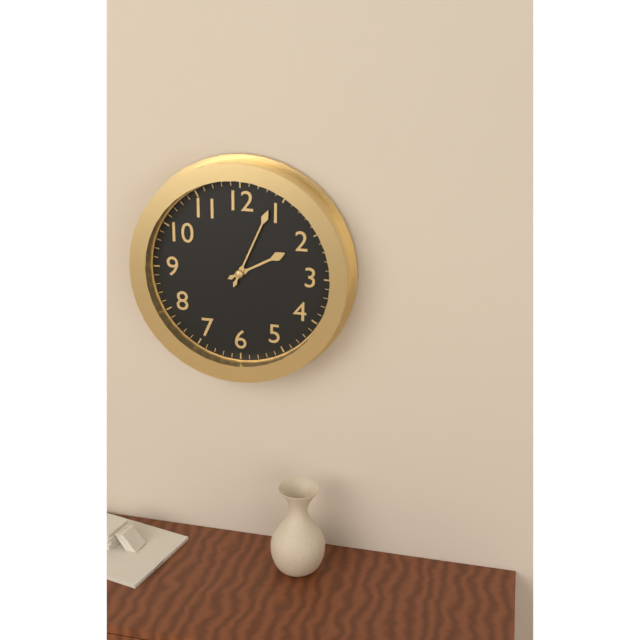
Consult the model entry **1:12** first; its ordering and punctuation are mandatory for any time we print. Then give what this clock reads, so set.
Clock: **2:04**
